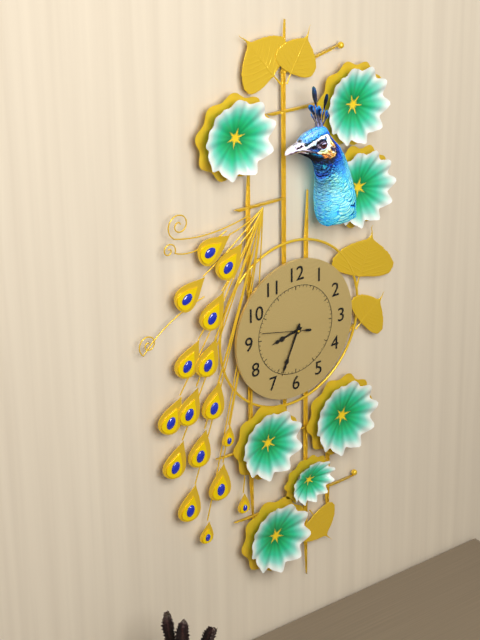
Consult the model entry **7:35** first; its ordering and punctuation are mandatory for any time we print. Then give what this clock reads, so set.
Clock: **8:34**
